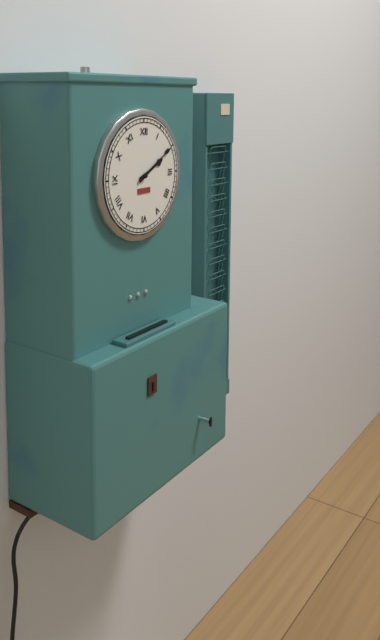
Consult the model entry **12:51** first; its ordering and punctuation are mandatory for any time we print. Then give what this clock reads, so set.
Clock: **2:10**
